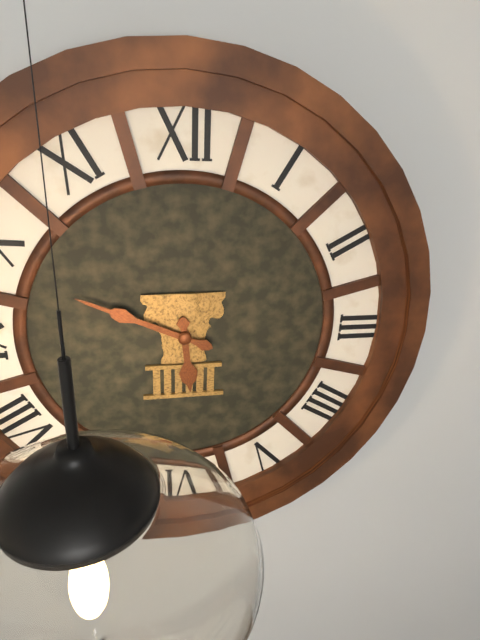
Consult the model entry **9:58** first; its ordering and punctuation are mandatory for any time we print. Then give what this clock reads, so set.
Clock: **5:49**
